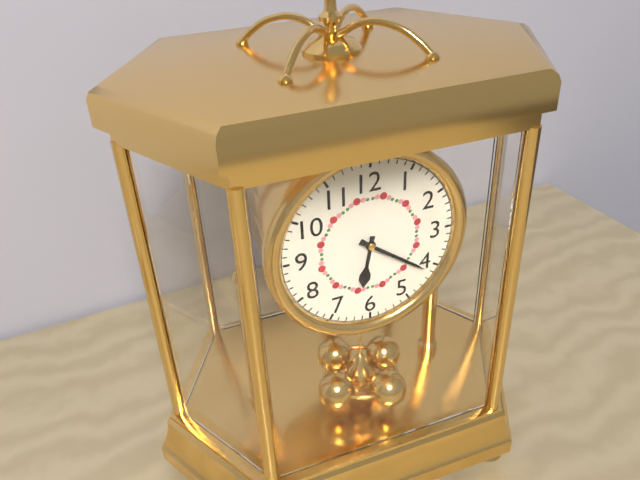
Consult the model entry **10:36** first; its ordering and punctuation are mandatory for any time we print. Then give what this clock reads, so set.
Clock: **6:21**
